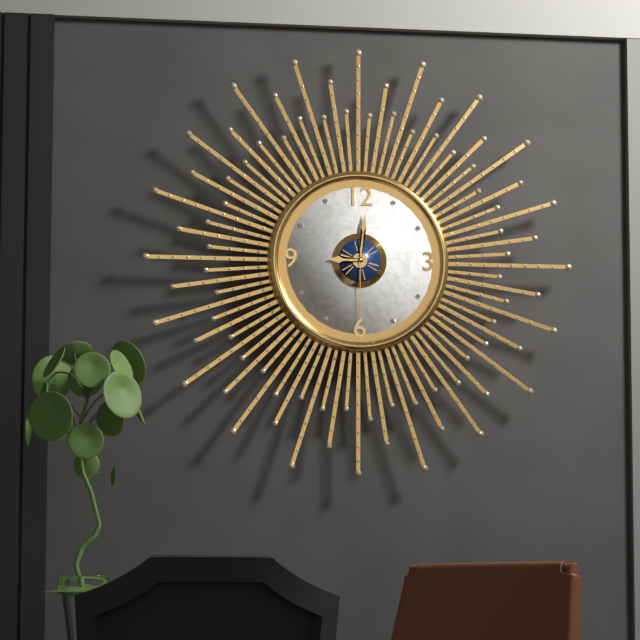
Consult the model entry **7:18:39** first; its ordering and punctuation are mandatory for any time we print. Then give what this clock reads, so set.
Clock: **9:01:30**
